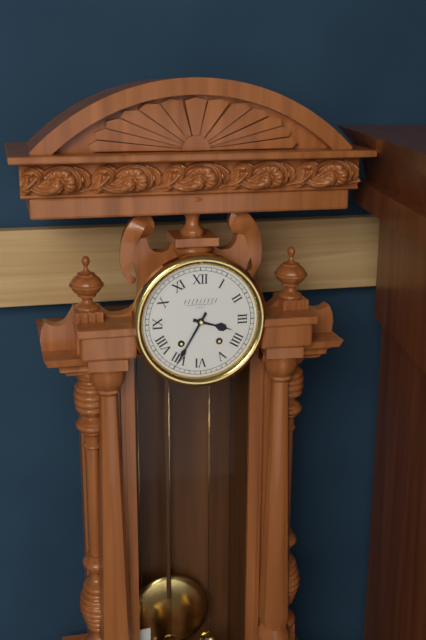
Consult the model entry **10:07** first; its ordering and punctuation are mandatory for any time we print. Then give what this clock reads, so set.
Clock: **3:35**
